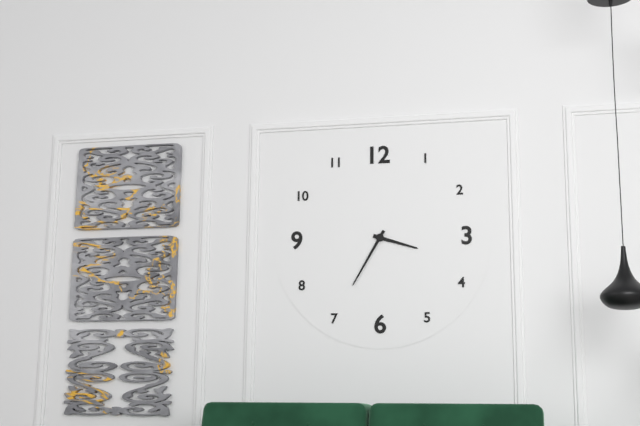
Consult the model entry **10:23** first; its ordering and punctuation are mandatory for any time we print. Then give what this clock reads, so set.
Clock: **3:35**
